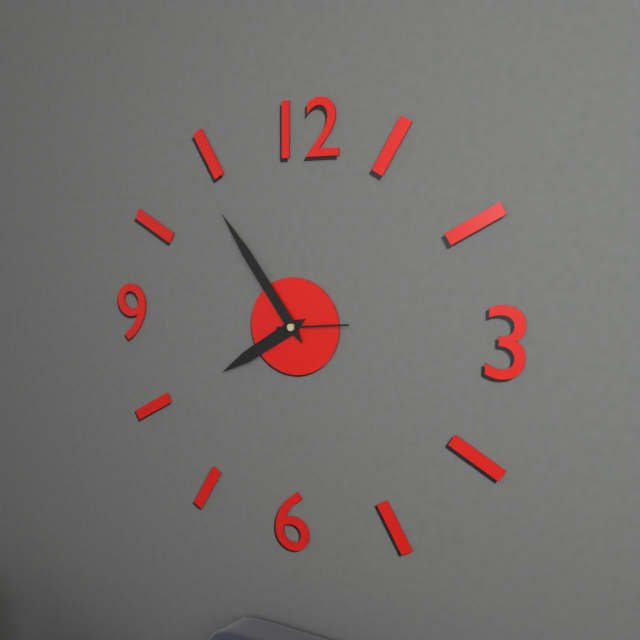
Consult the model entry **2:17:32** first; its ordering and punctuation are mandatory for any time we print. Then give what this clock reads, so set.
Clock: **7:54:14**
